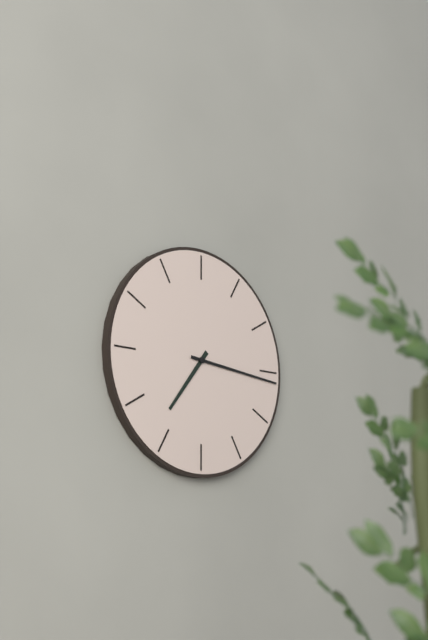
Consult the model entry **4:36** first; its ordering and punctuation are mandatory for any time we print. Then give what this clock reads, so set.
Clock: **7:16**
